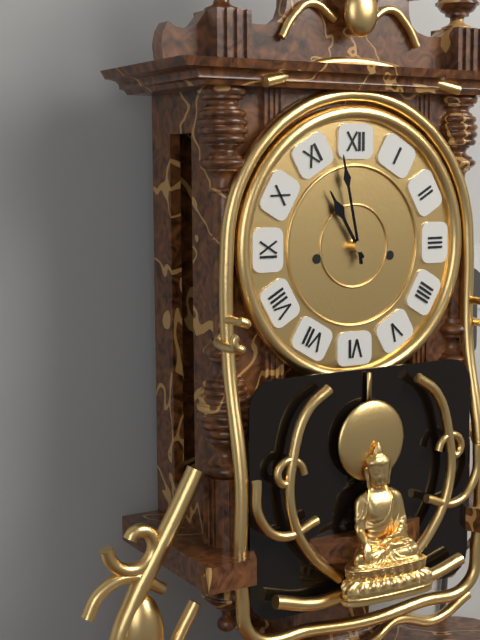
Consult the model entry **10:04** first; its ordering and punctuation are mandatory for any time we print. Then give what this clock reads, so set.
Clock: **10:58**
